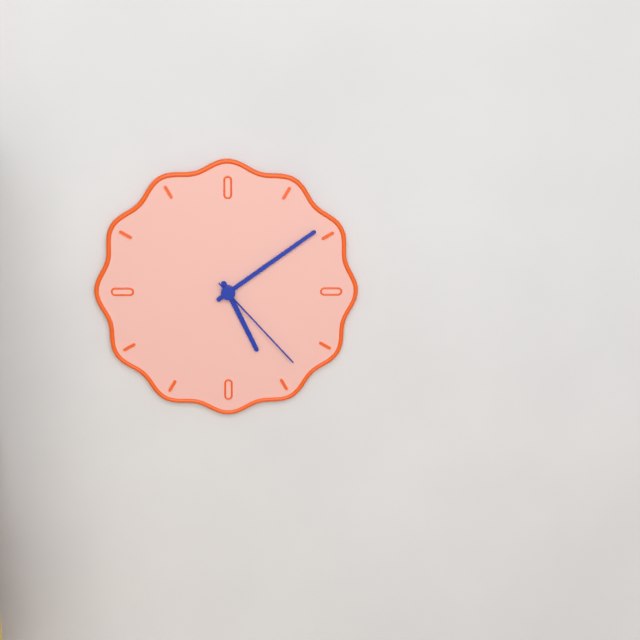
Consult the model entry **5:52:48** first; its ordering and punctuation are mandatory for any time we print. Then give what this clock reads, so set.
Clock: **5:09:23**
